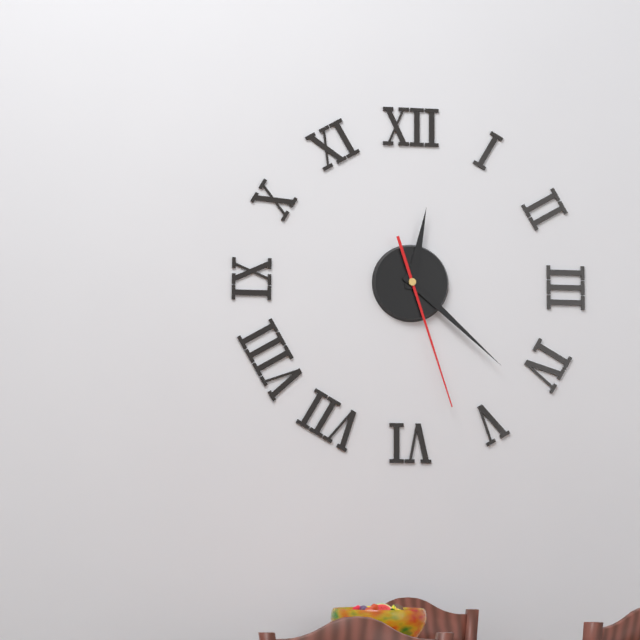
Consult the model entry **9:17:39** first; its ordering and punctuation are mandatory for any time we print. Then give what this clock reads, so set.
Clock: **12:22:27**
